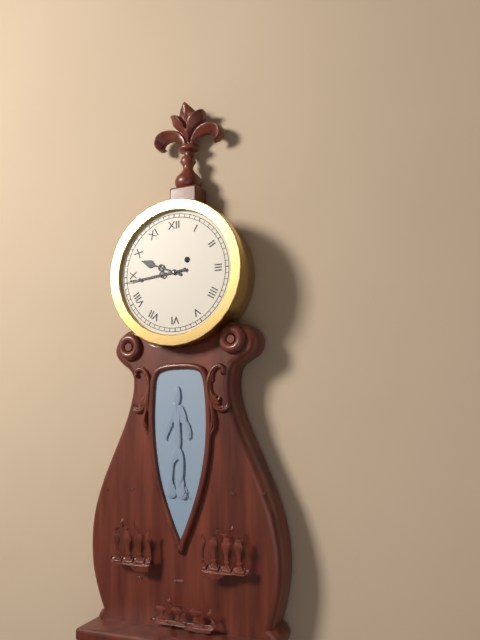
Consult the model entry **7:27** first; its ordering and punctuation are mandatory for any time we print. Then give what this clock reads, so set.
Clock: **9:44**
